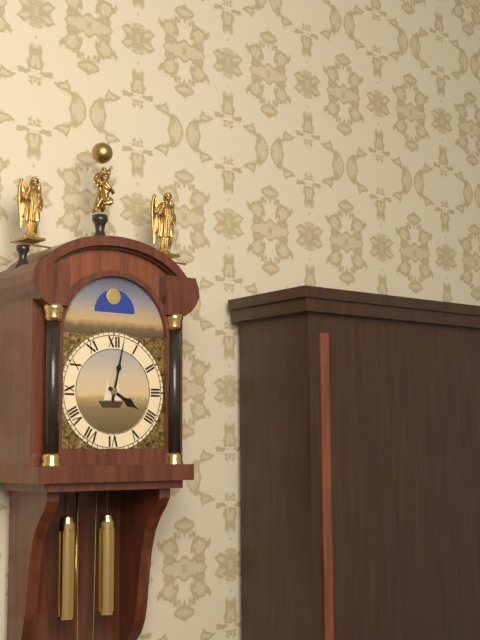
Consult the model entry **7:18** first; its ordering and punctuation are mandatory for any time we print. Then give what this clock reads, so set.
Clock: **4:02**
